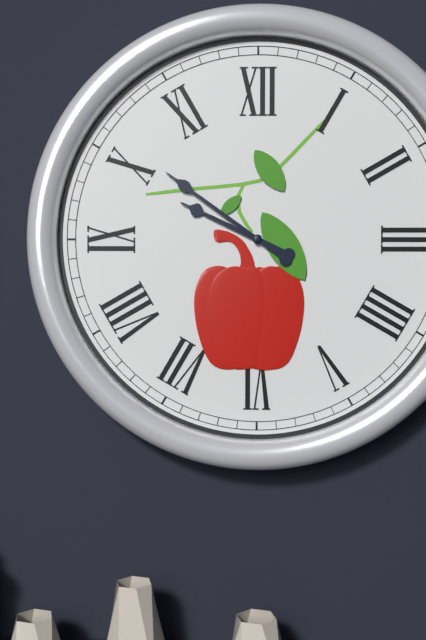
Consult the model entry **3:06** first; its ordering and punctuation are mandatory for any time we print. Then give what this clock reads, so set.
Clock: **9:51**
